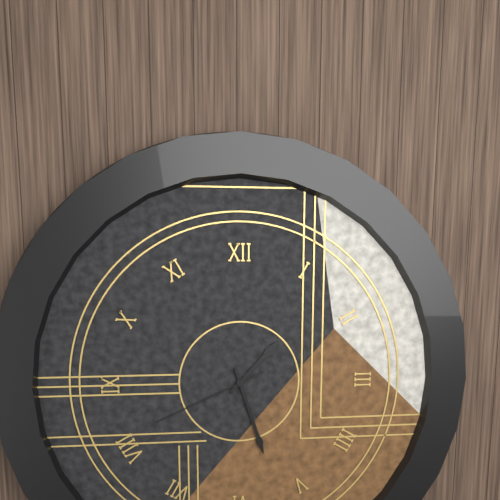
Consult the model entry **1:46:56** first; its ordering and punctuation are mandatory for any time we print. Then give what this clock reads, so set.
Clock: **1:27:41**
